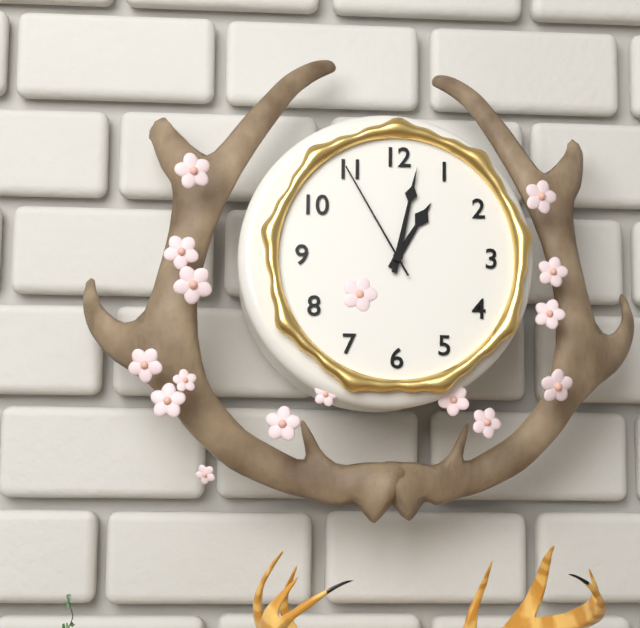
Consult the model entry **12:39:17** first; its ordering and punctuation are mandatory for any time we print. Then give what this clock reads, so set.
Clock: **1:02:55**
